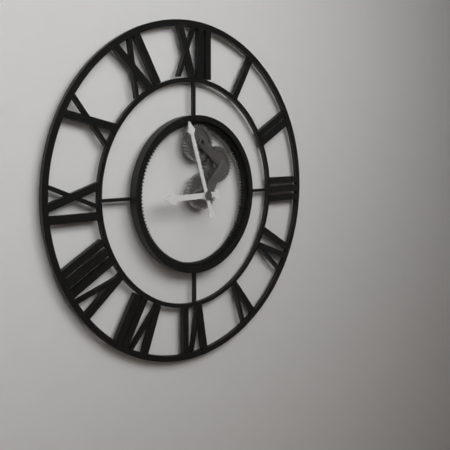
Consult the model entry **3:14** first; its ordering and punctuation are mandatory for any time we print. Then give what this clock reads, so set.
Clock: **8:57**
